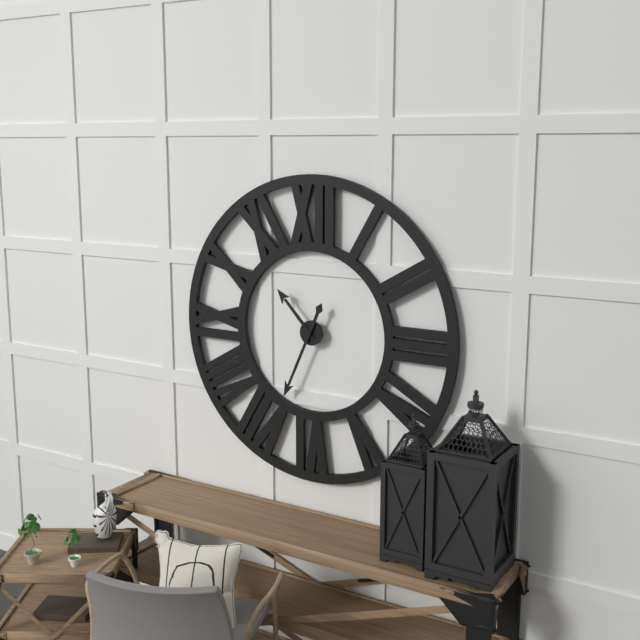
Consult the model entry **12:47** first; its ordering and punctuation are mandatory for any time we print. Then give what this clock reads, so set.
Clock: **10:34**
